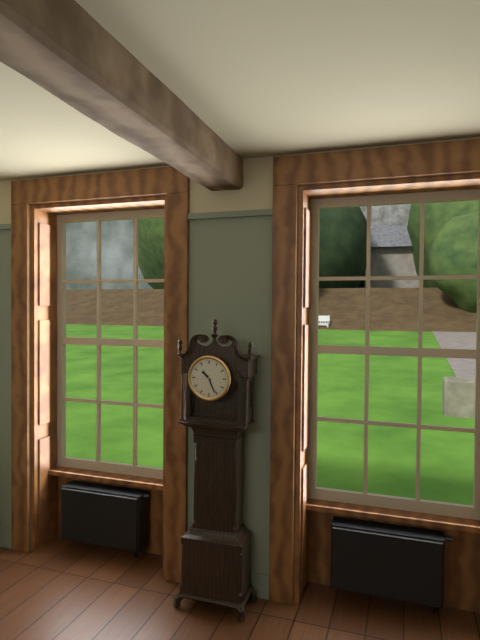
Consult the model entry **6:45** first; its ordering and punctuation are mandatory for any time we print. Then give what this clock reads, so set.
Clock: **10:26**
